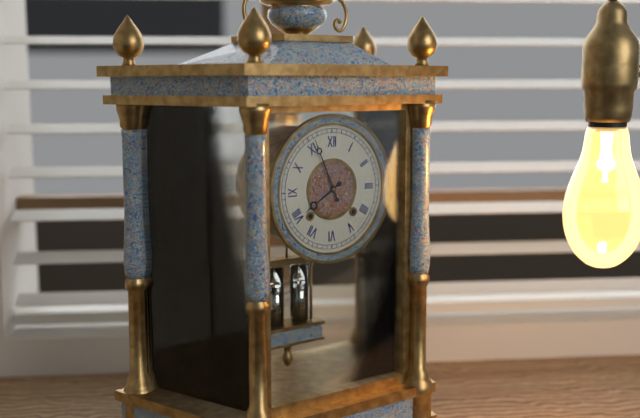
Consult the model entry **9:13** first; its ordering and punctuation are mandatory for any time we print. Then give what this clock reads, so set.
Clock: **7:56**
